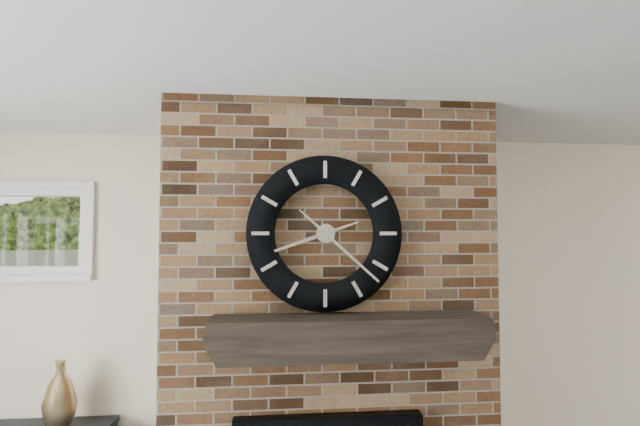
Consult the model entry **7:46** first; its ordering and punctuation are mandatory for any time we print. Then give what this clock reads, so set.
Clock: **8:22**
